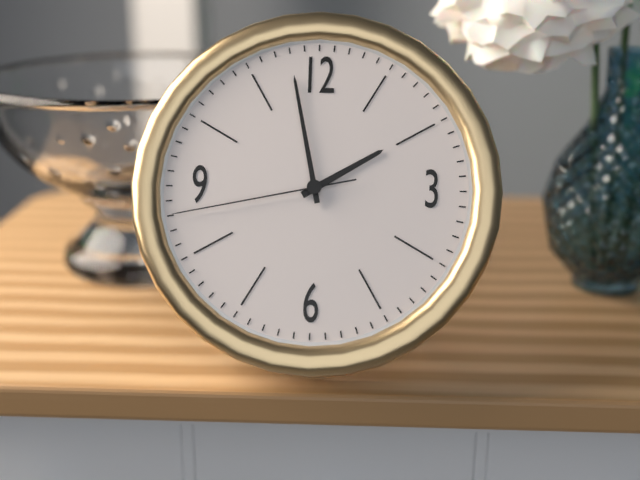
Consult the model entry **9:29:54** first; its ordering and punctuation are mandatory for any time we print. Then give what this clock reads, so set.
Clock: **1:58:43**
